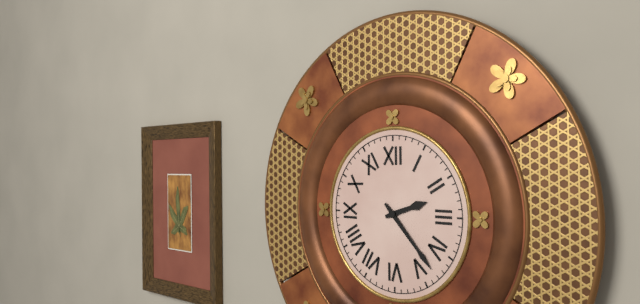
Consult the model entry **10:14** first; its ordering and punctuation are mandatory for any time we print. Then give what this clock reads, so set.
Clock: **2:23**
